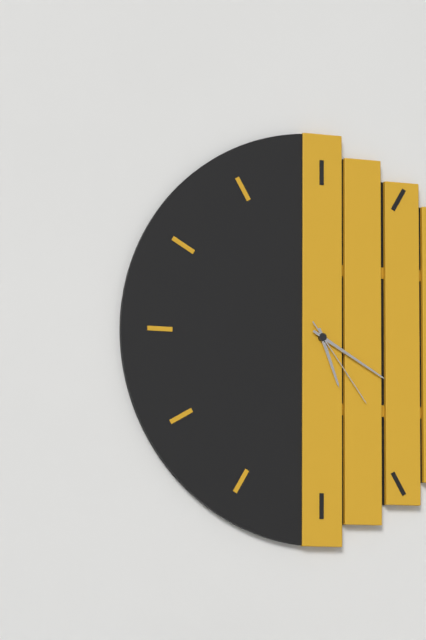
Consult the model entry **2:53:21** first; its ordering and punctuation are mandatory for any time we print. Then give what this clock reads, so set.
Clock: **5:20:24**
